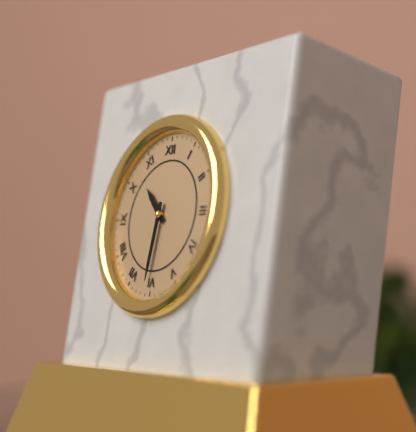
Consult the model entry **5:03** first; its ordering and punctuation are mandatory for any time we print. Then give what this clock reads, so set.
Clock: **10:31**
